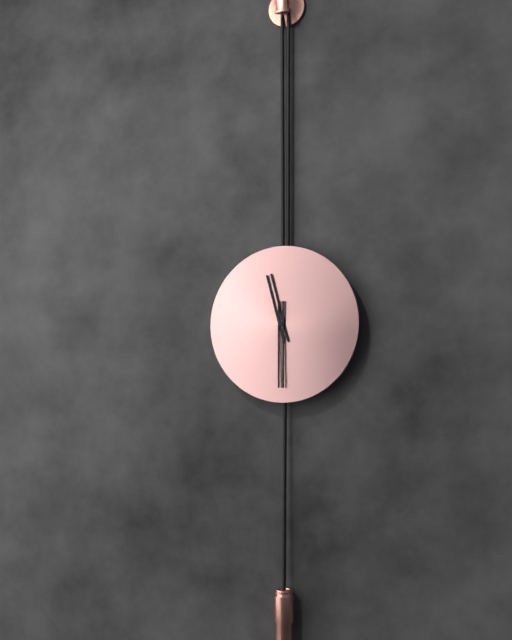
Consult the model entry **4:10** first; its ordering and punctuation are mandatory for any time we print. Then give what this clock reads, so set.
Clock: **11:30**
